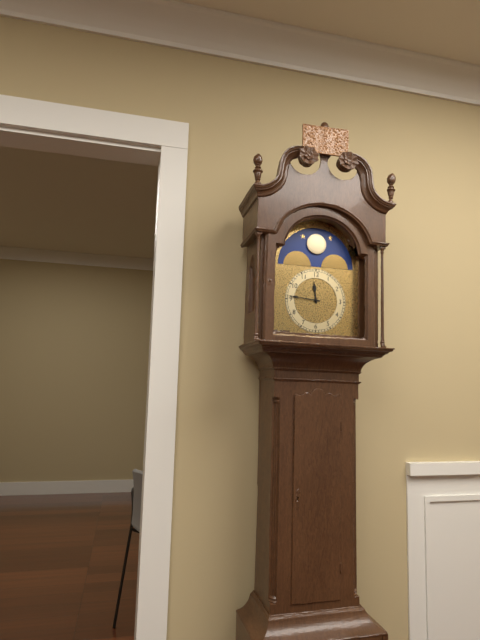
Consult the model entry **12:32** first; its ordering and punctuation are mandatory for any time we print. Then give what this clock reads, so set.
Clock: **11:46**
